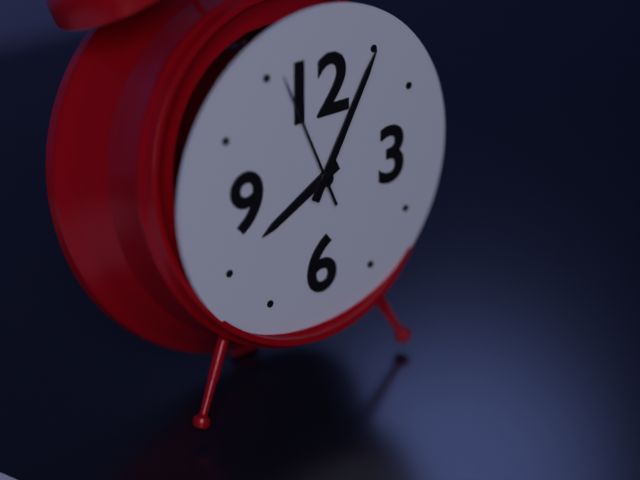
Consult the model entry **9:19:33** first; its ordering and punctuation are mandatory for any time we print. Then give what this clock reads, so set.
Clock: **8:05:56**
